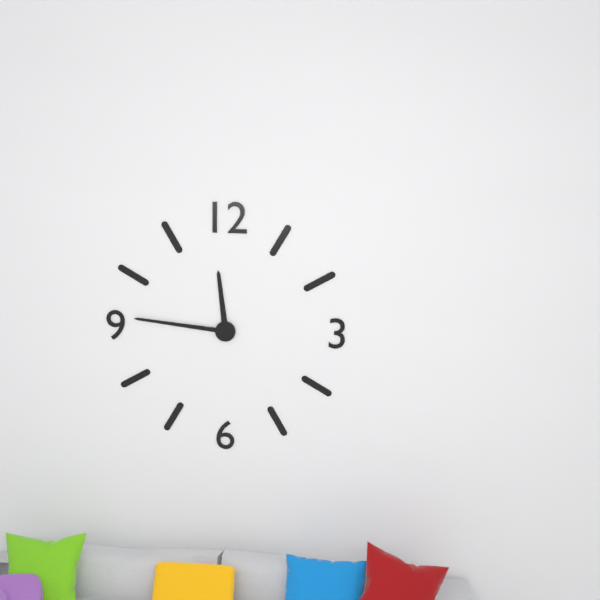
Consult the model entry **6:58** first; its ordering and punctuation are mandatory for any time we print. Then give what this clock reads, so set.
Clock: **11:46**
